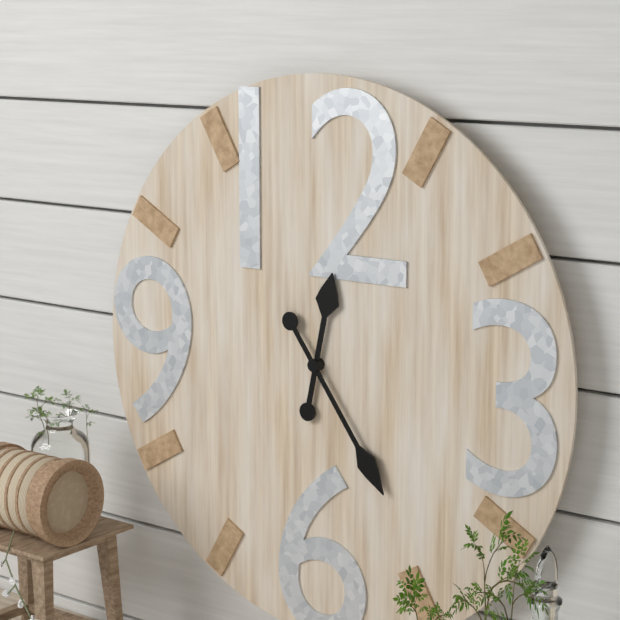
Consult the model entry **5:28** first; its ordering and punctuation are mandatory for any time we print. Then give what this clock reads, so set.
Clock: **12:24**
